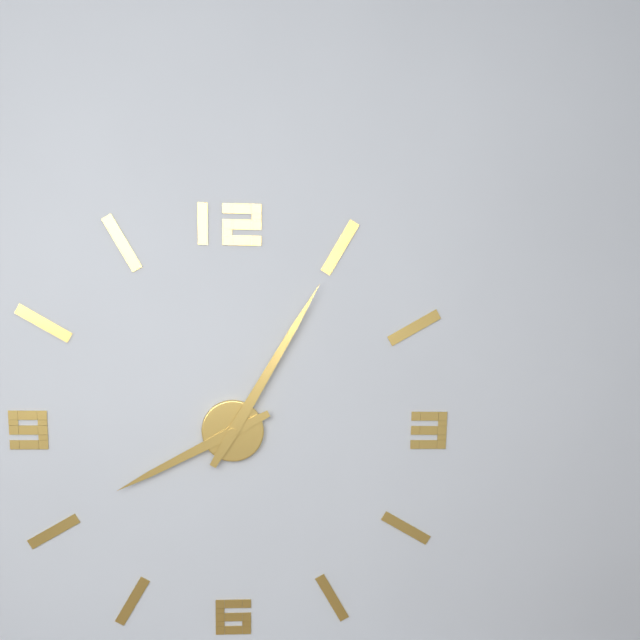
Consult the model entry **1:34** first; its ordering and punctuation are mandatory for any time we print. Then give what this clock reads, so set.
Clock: **8:05**
